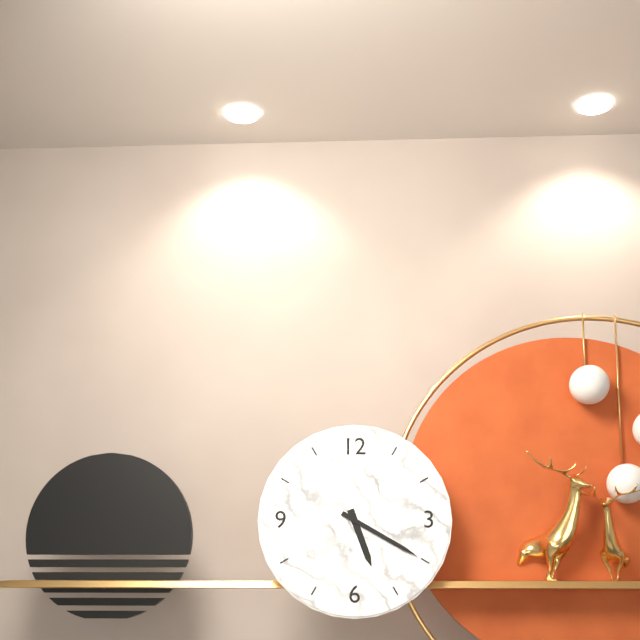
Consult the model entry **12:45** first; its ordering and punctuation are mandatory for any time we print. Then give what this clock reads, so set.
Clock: **5:20**
